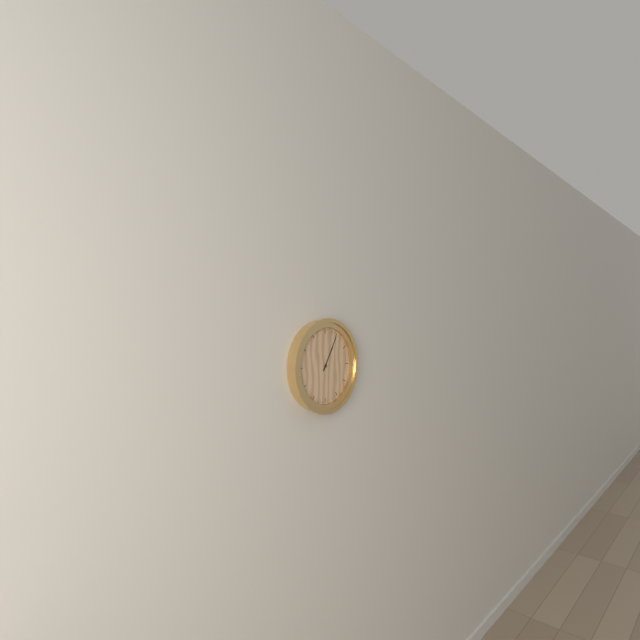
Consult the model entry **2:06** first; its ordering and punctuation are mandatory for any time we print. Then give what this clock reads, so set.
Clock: **1:05**
